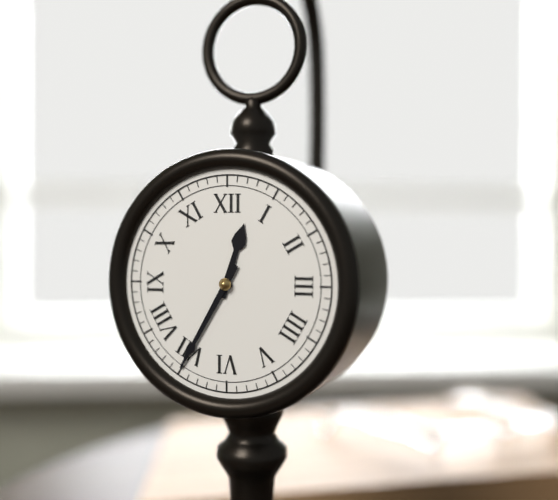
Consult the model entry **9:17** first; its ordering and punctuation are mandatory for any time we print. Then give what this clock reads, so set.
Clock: **12:35**
